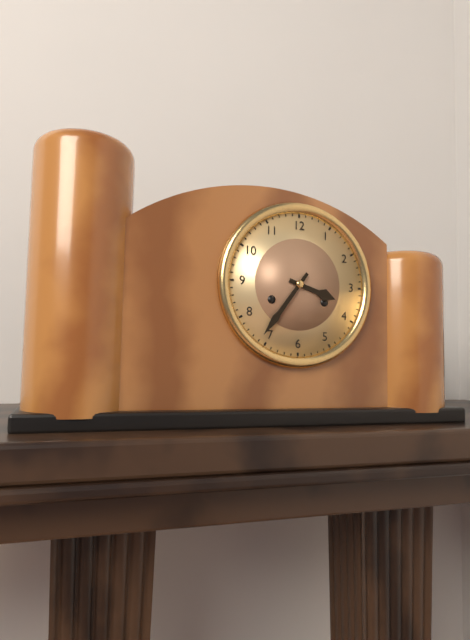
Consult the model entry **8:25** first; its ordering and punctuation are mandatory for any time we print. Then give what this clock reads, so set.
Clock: **3:36**
